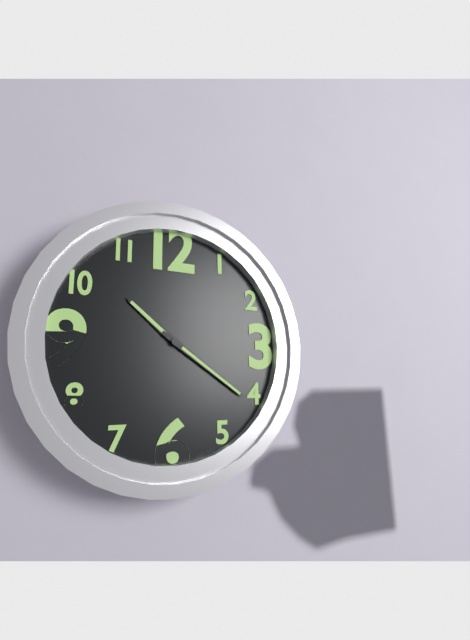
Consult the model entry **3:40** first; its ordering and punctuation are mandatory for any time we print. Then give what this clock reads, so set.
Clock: **10:21**
